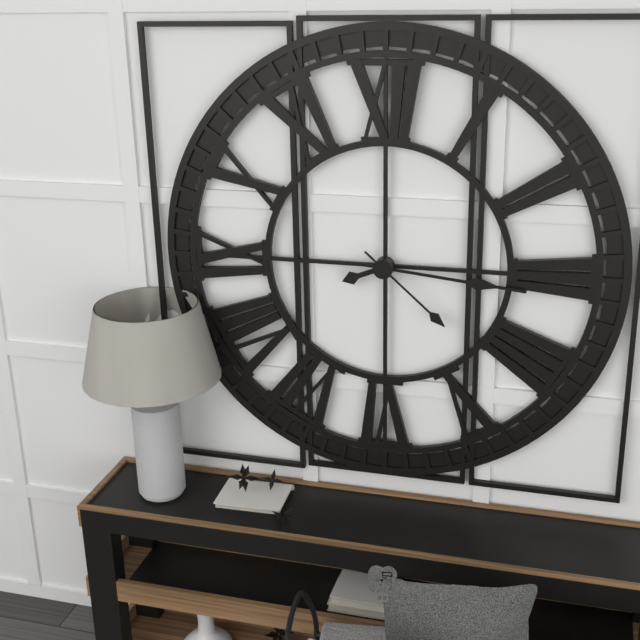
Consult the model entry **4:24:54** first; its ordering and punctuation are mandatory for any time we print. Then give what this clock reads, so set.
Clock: **8:16:22**
